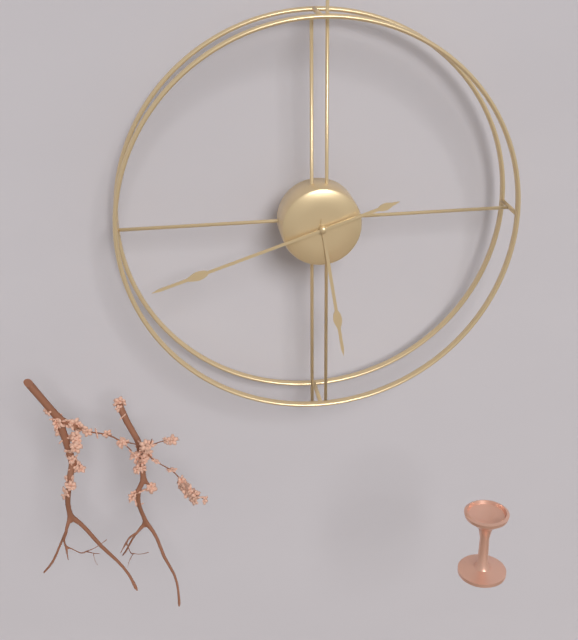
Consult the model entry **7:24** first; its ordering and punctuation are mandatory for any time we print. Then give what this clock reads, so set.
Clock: **5:42**
